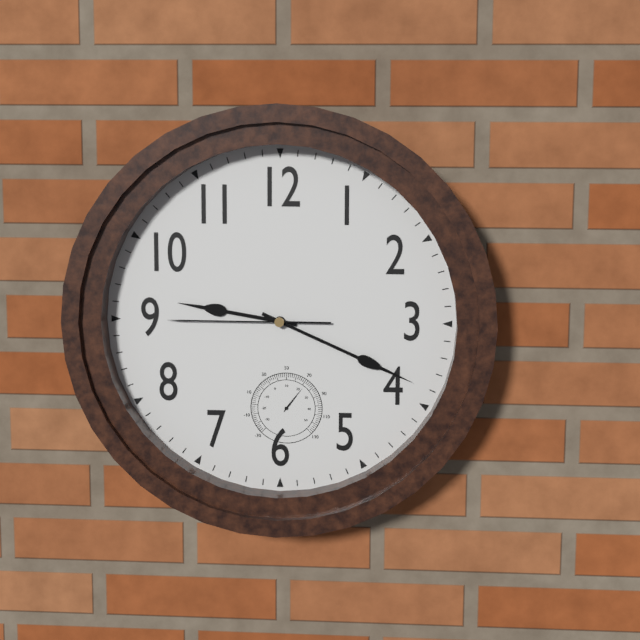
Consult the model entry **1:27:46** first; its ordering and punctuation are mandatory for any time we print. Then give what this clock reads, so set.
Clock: **9:19:45**
